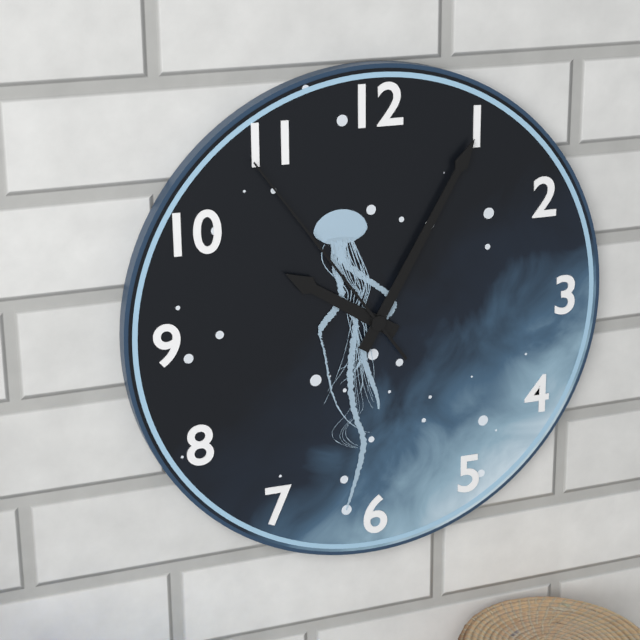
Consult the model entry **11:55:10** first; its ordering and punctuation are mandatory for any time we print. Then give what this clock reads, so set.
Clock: **10:05:54**
